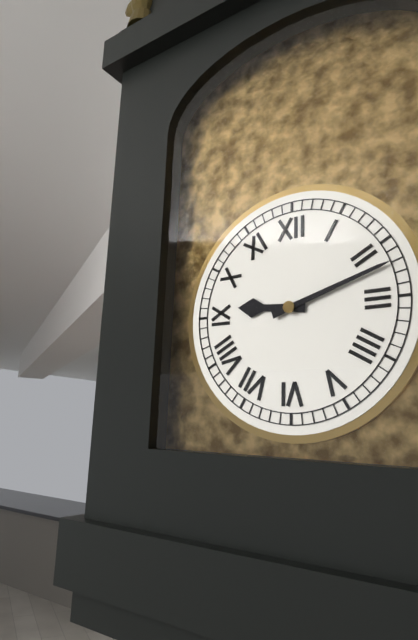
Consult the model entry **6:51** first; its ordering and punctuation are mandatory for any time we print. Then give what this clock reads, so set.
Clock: **9:12**
